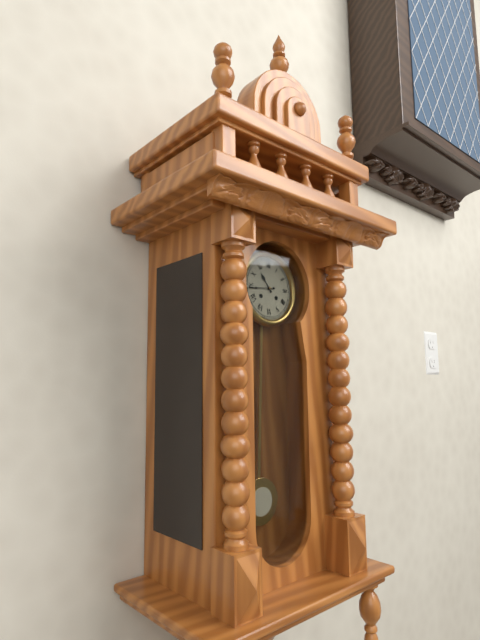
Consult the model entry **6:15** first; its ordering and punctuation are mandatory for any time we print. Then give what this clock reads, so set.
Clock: **10:44**
